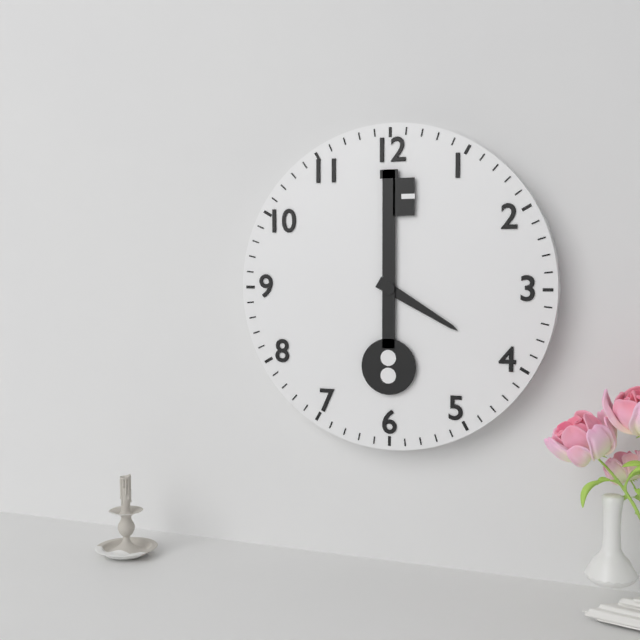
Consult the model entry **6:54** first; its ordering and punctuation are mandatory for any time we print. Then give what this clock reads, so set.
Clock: **4:00**
